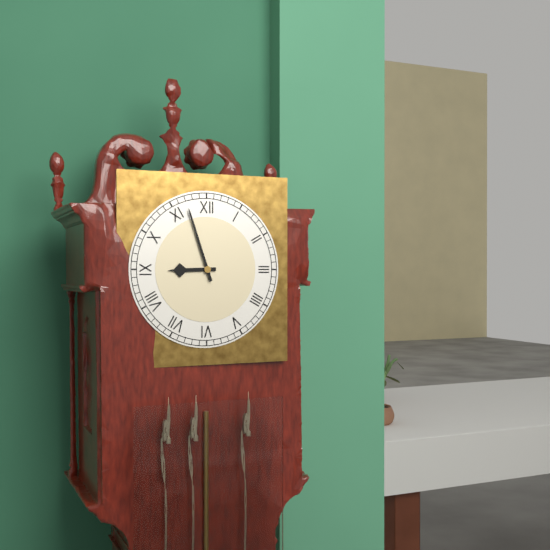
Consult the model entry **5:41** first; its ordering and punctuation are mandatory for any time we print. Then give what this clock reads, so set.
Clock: **8:57**
